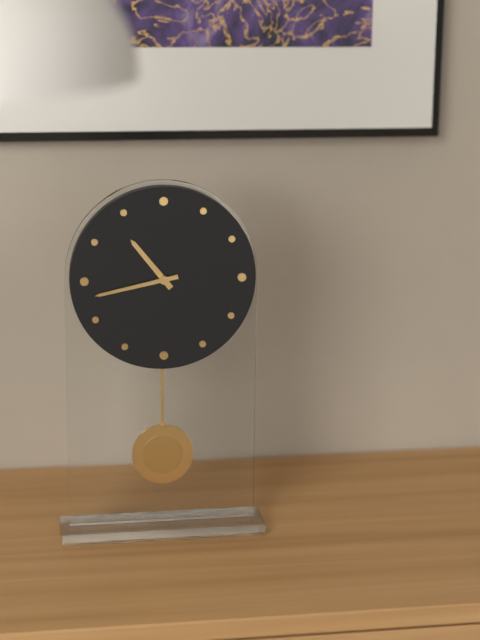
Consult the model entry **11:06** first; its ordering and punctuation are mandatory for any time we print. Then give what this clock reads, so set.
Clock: **10:43**
